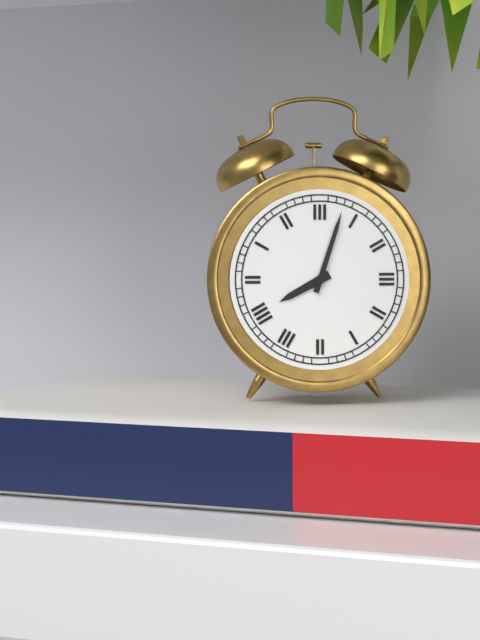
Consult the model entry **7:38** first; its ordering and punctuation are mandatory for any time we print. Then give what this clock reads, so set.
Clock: **8:03**
